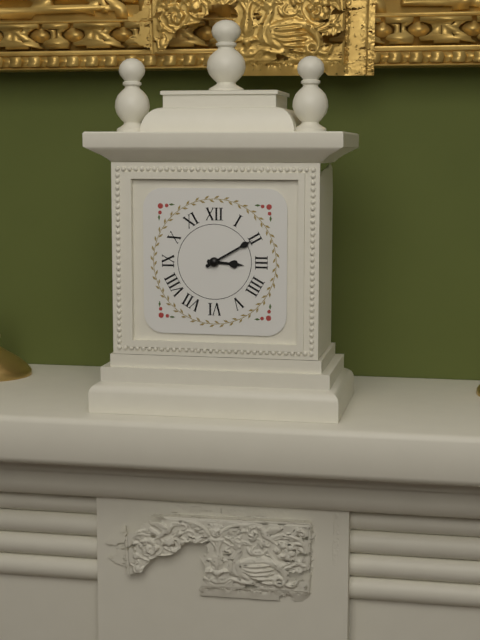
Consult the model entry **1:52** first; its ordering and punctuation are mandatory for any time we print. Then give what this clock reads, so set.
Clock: **3:10**
